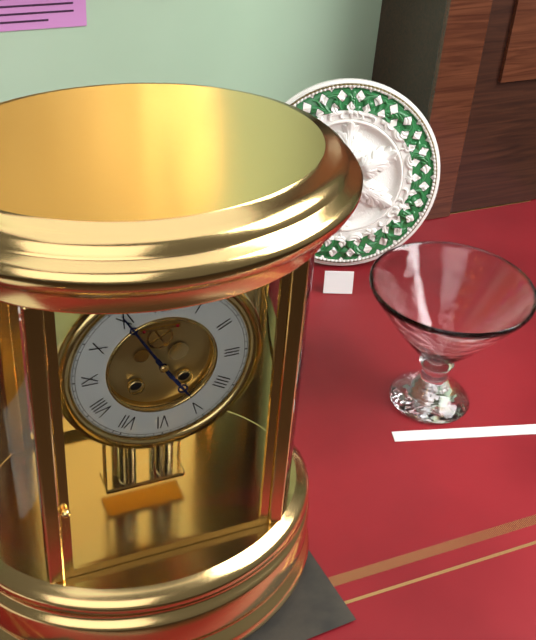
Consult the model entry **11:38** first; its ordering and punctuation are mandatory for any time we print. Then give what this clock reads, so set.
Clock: **4:55**
